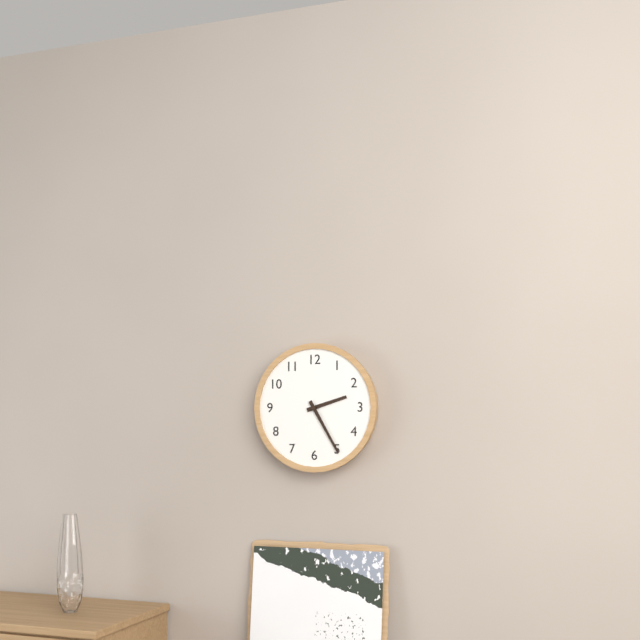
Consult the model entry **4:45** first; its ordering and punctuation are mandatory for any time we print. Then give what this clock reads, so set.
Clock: **2:25**
